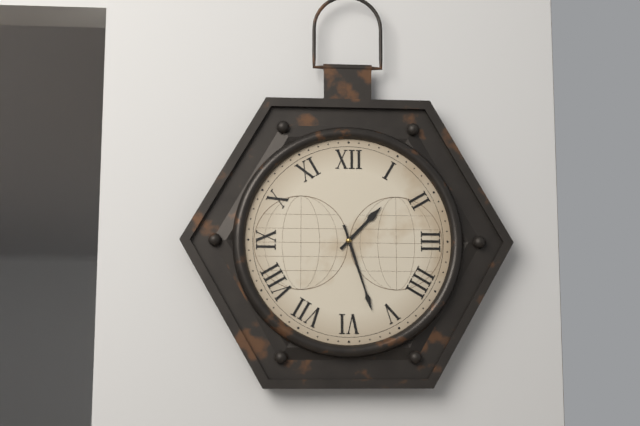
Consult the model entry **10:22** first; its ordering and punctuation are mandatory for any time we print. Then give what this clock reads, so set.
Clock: **1:27**
